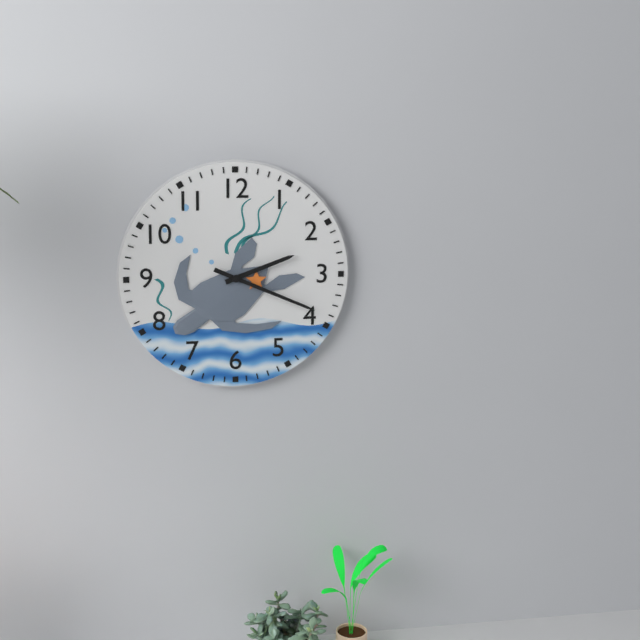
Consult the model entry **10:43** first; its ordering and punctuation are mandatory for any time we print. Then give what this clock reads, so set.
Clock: **2:19**
